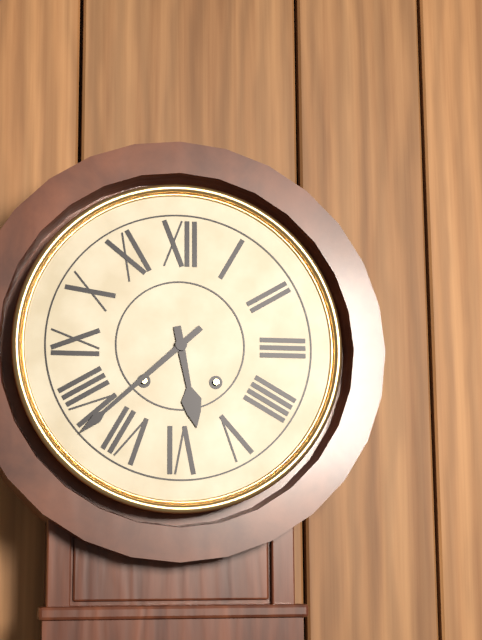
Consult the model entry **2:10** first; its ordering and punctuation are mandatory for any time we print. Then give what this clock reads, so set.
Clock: **5:38**
